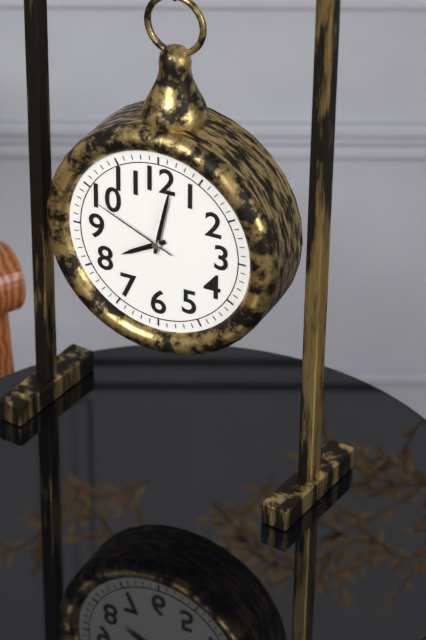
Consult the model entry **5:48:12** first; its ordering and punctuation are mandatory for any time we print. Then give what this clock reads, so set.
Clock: **8:02:49**
